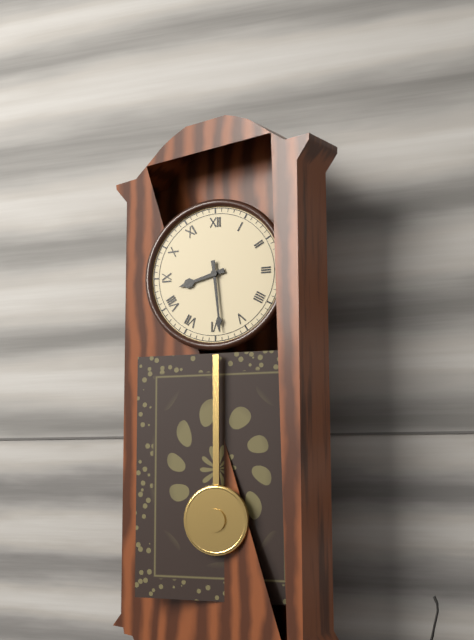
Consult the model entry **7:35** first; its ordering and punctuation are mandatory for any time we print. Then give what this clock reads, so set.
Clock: **8:29**
